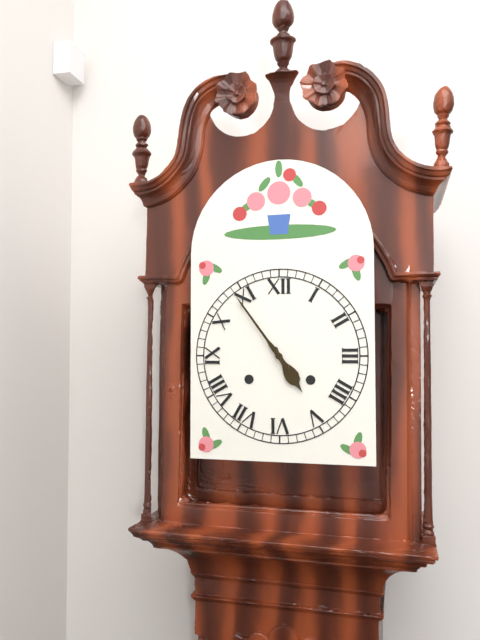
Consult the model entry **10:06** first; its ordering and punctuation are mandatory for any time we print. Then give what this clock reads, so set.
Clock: **4:54**
